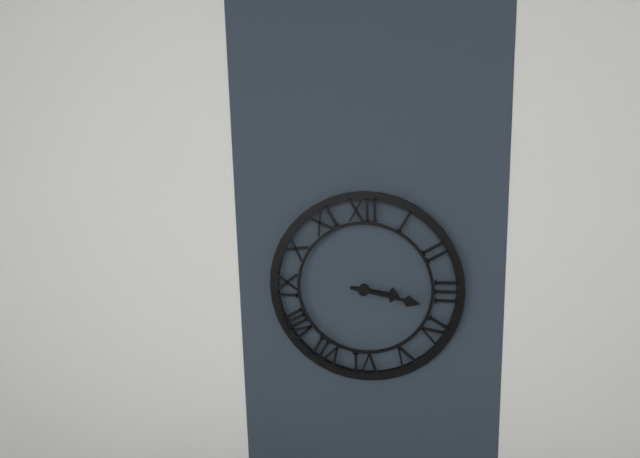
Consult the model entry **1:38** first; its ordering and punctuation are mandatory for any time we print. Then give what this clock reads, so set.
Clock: **3:17**
